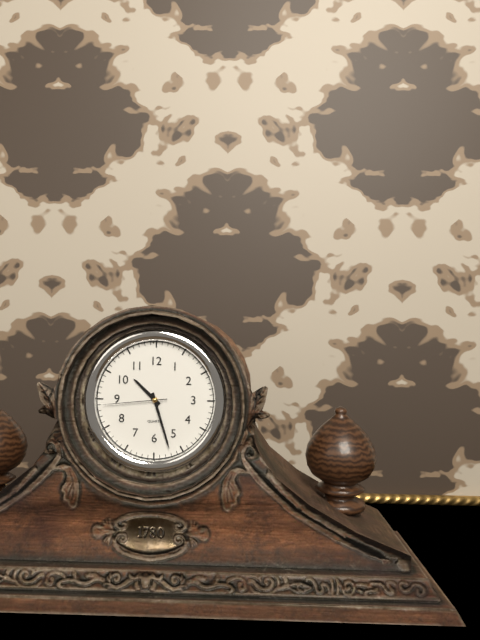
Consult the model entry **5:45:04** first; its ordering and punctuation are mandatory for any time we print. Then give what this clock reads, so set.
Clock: **10:27:44**
